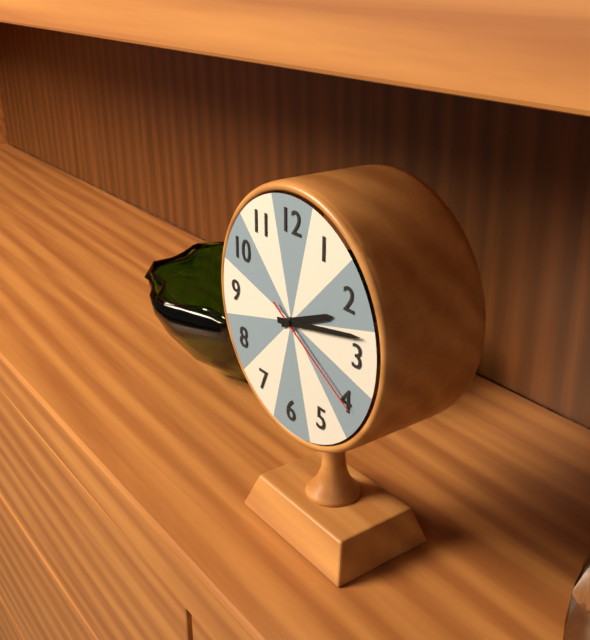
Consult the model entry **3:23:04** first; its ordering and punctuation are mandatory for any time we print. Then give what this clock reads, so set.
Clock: **2:13:20**
